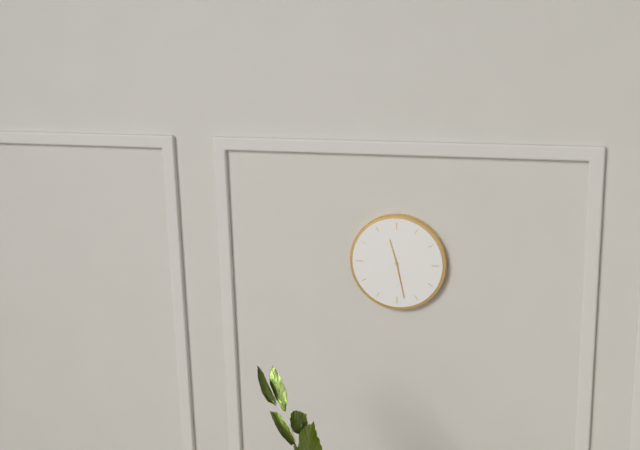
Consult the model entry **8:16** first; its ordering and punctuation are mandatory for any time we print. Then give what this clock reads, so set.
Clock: **11:28**
